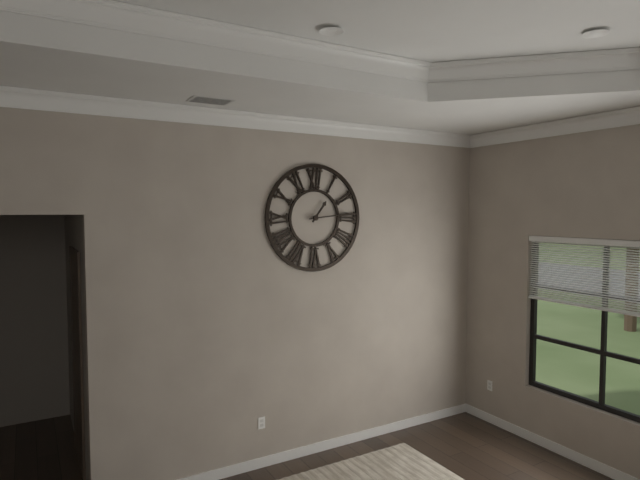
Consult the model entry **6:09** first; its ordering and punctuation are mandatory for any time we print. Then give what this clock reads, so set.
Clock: **1:14**
